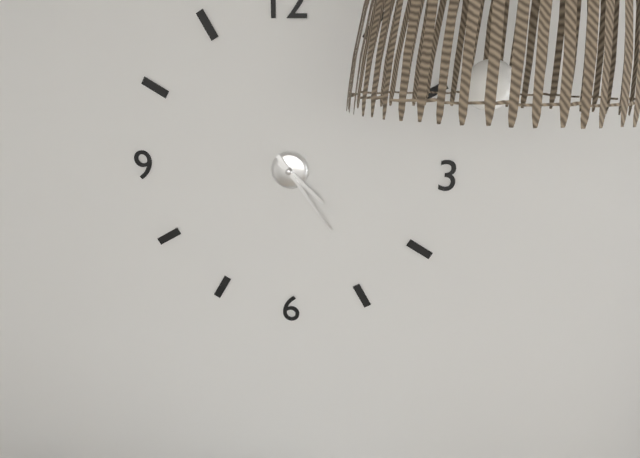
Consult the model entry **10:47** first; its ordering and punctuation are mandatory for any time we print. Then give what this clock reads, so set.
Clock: **4:24**
